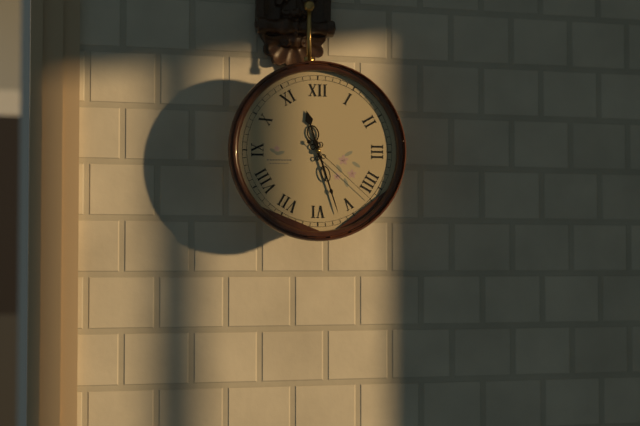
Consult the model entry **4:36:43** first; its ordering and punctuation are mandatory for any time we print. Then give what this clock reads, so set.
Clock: **11:27:22**
